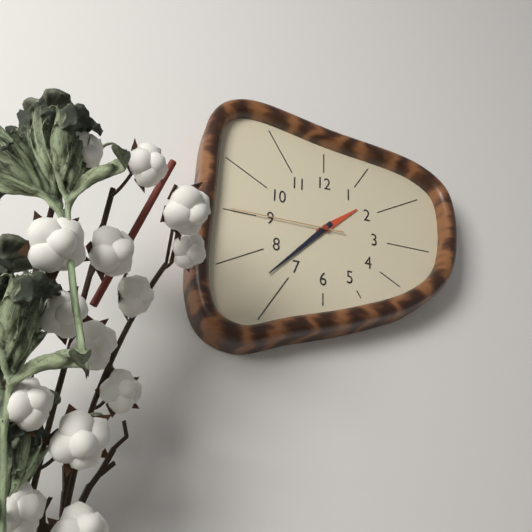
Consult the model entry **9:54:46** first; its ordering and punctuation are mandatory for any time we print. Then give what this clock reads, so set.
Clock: **1:37:45**
